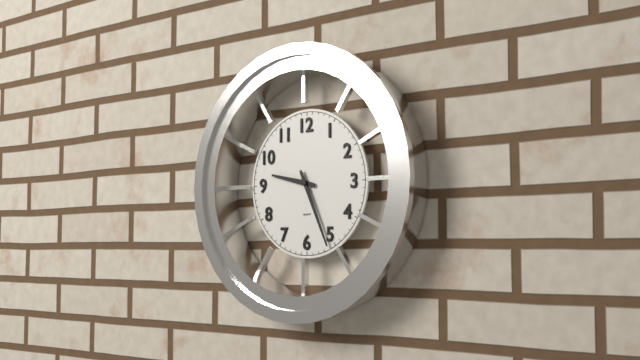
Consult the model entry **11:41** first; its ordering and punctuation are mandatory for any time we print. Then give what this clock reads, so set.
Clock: **9:26**
